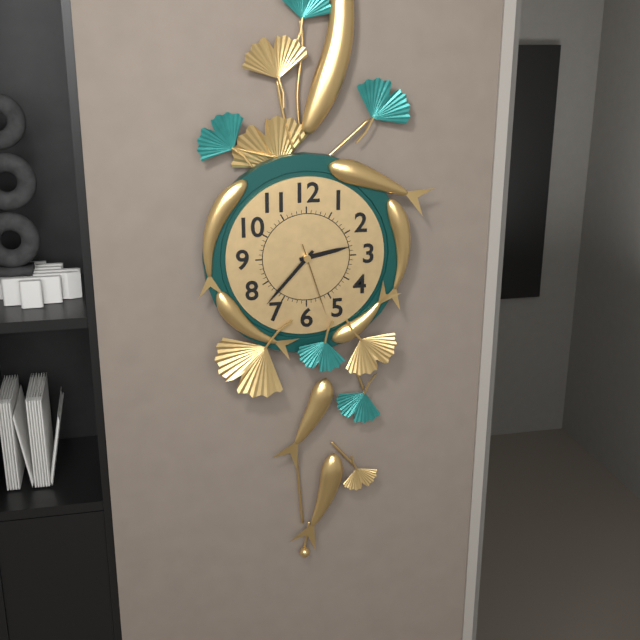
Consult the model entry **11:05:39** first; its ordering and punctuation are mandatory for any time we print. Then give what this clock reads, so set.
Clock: **2:37:27**
